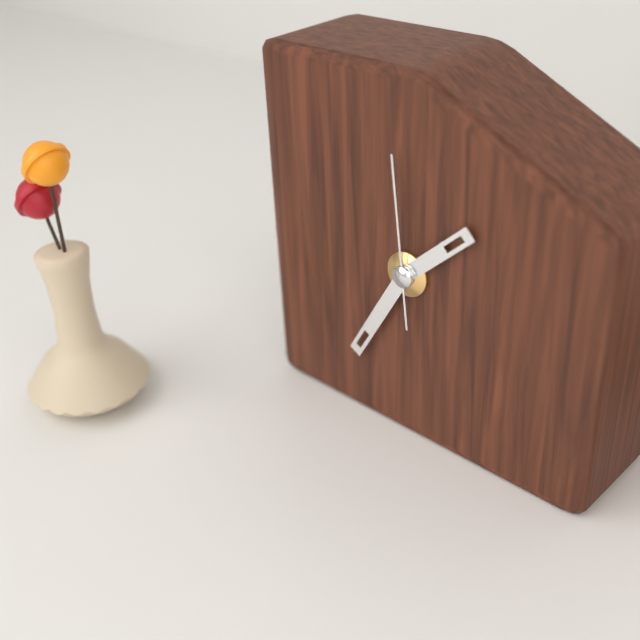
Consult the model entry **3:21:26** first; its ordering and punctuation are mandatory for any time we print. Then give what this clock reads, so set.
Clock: **1:35:59**
